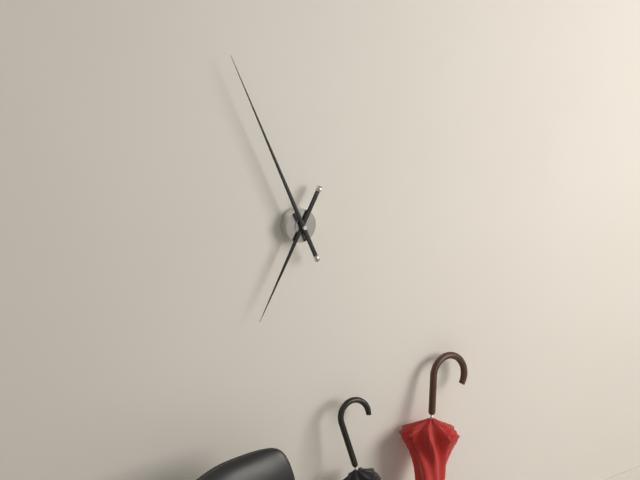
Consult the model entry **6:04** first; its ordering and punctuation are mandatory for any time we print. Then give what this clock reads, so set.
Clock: **6:56**
